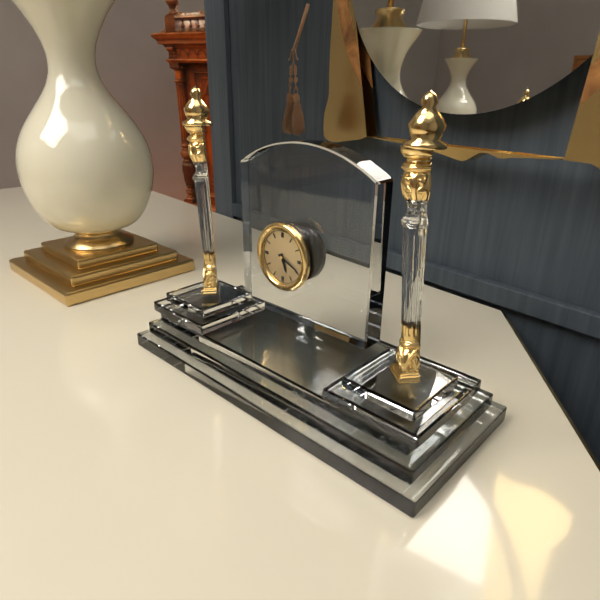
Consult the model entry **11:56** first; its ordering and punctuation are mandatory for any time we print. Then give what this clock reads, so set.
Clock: **5:19**
